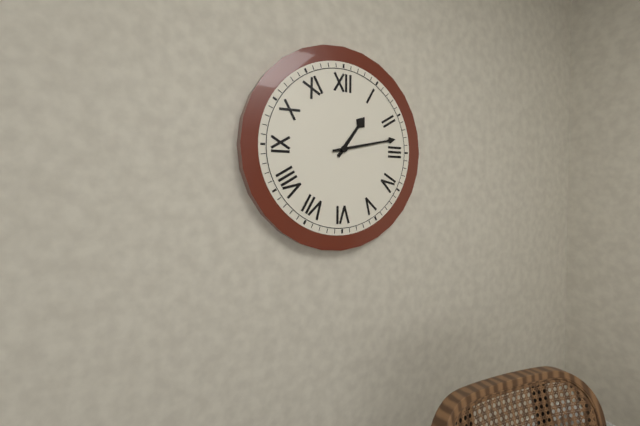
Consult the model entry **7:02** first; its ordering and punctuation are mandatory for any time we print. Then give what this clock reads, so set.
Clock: **1:13**
